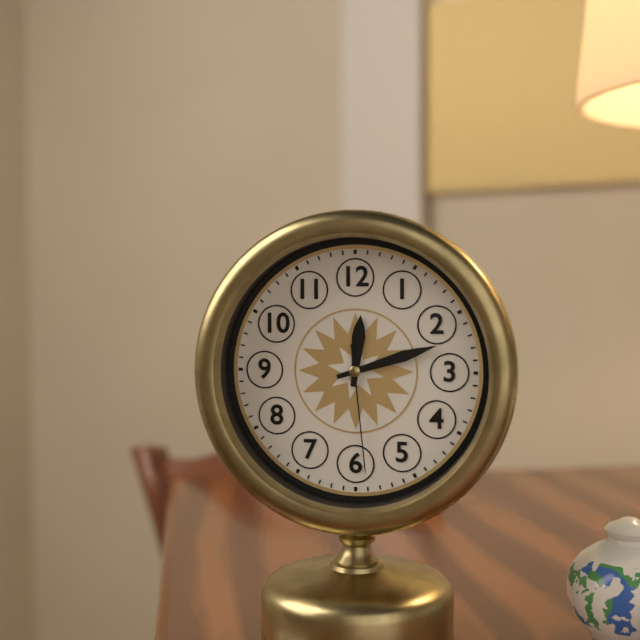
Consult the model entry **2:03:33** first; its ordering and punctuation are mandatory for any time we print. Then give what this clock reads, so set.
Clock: **12:12:29**
